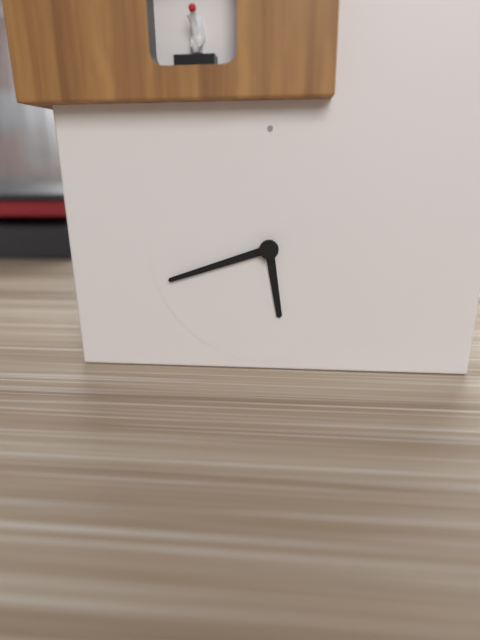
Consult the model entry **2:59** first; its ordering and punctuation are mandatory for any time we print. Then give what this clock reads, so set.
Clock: **5:42**
